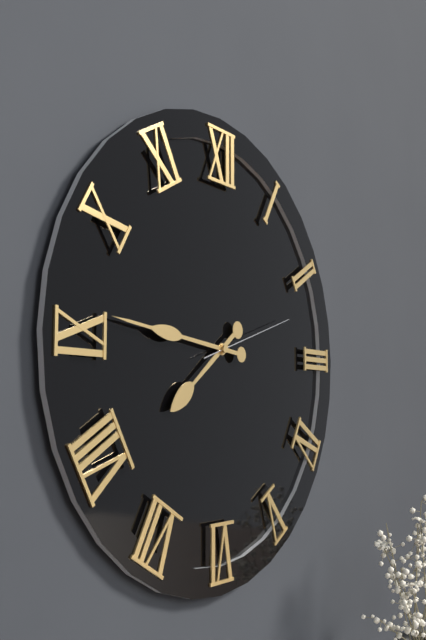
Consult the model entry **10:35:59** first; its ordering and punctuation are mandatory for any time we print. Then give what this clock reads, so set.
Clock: **7:46:12**
